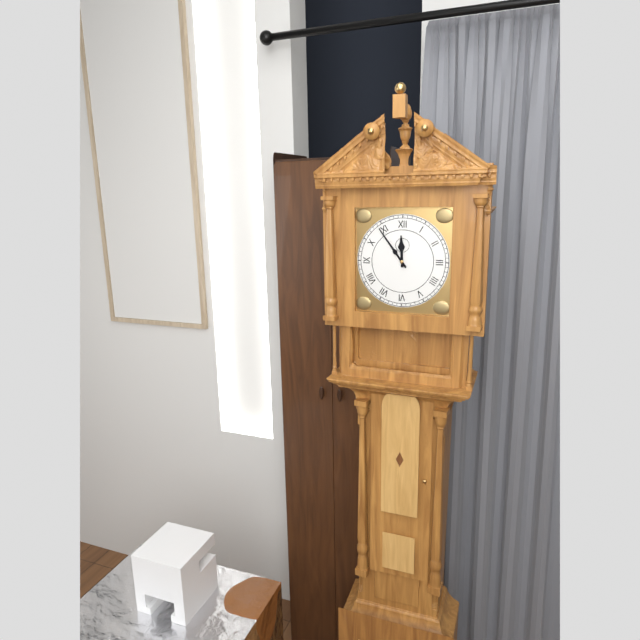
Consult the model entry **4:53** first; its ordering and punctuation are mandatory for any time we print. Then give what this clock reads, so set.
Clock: **11:54**
